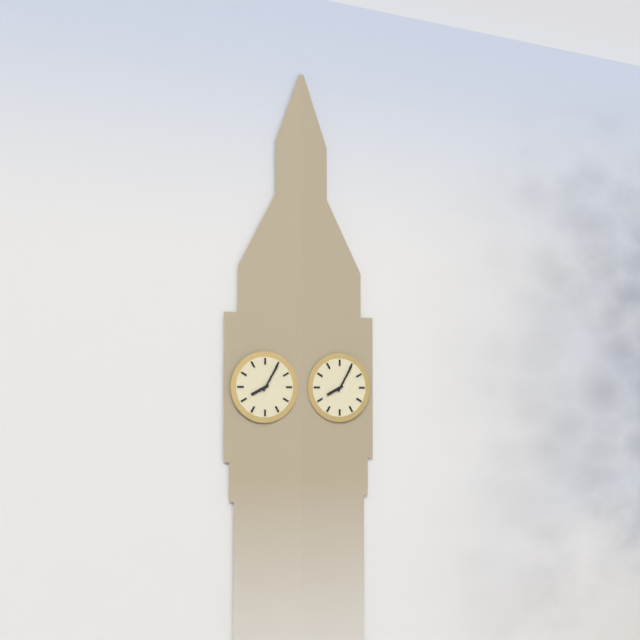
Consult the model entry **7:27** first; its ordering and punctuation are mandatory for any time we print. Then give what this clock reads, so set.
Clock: **8:05**
